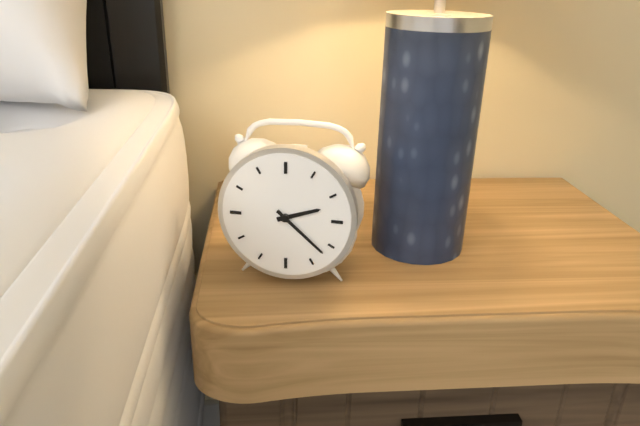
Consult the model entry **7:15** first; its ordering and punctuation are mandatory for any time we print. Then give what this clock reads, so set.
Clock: **2:22**
